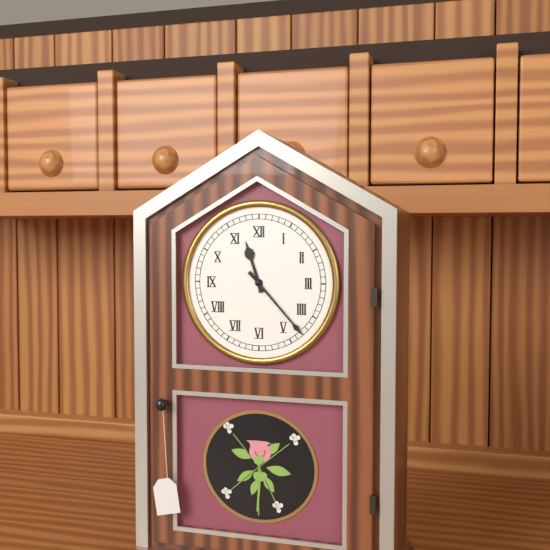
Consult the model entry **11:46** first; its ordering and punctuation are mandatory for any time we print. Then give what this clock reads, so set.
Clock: **11:23**
